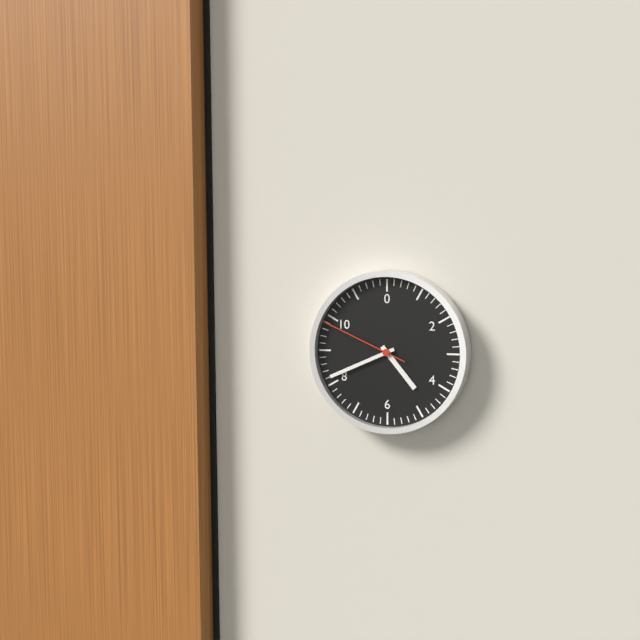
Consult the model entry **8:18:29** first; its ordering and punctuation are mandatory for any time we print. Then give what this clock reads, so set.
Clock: **4:41:49**
